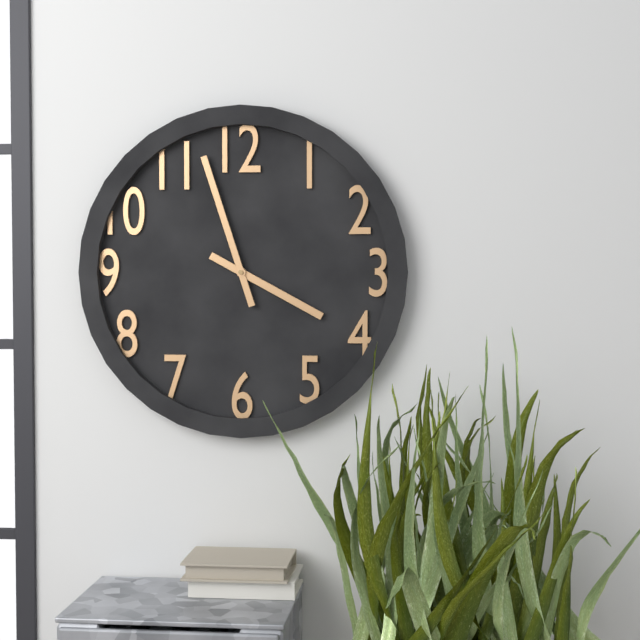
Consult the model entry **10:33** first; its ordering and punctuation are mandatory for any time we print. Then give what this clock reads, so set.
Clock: **3:57**
